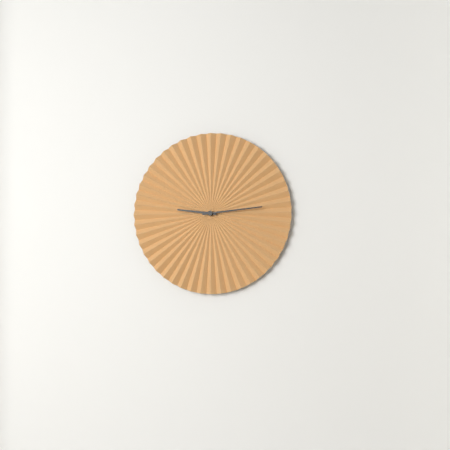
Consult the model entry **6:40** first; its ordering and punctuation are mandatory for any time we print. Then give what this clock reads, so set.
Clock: **9:14**
